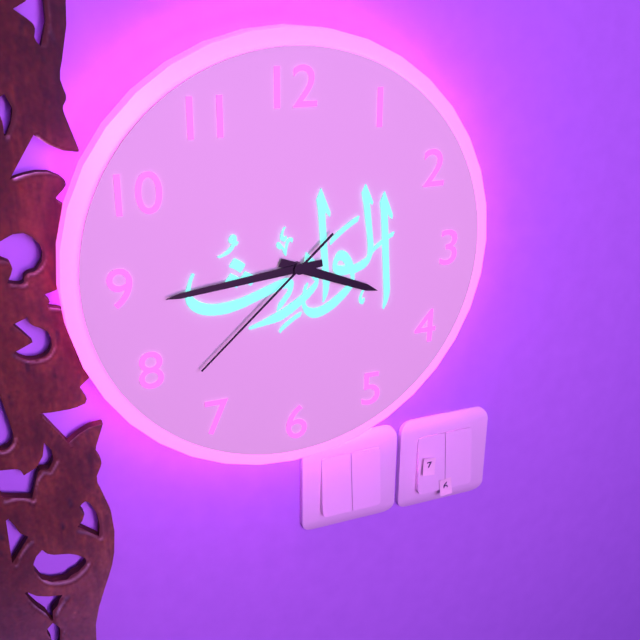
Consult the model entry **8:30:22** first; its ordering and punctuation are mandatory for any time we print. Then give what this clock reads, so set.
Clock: **3:44:38**
